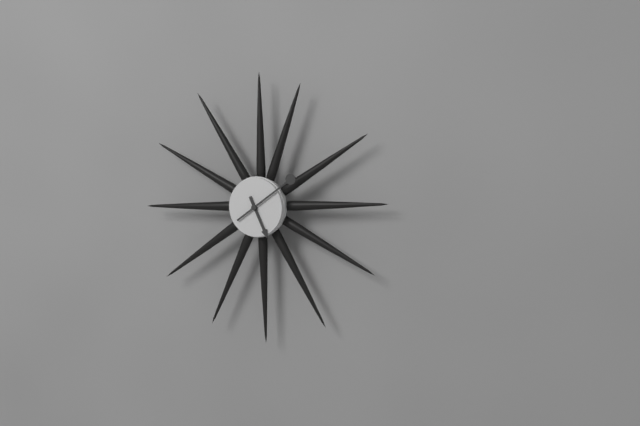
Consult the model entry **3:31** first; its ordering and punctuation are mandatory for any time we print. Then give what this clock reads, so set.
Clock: **5:09**
